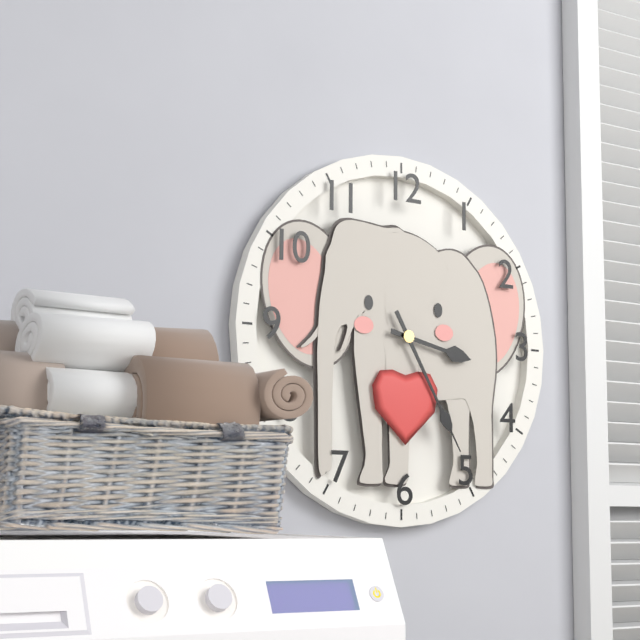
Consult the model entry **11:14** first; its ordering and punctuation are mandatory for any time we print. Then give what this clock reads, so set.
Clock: **3:25**
